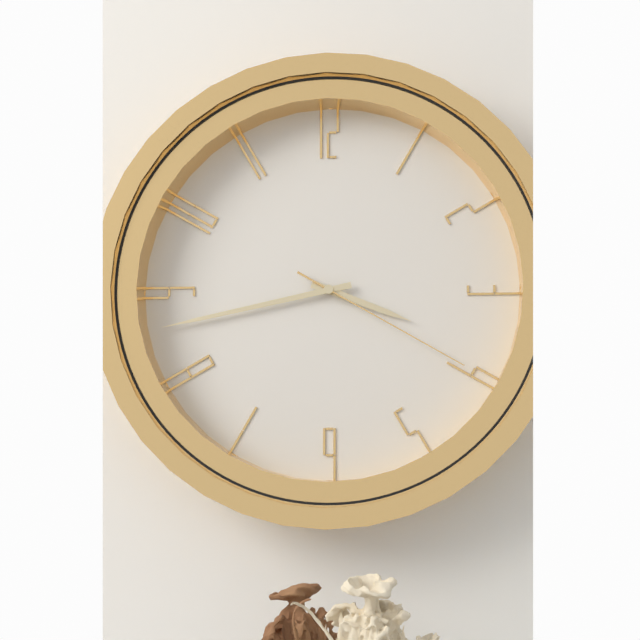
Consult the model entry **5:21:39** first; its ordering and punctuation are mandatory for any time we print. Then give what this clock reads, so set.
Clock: **3:43:20**
